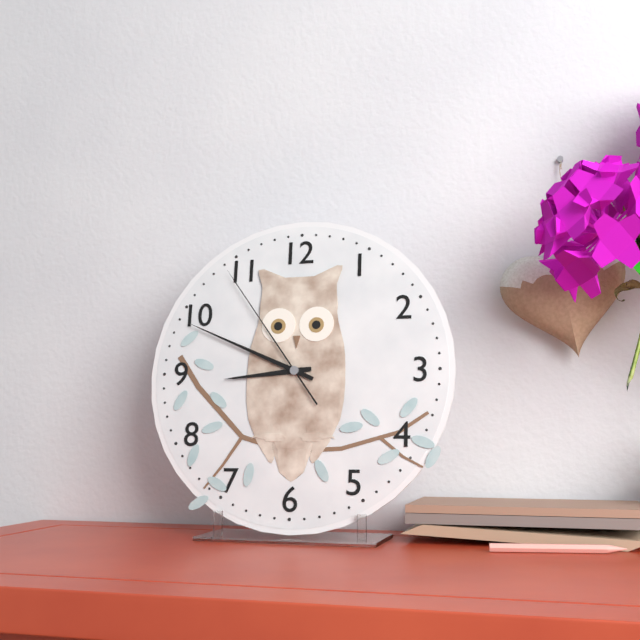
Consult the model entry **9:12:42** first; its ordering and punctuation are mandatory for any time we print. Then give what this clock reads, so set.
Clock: **8:49:54**
